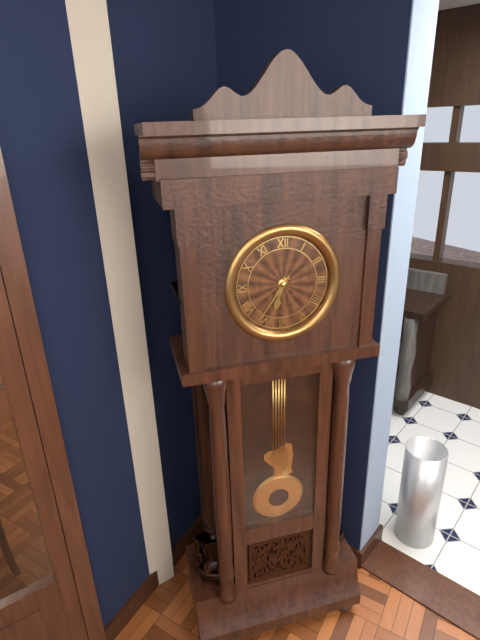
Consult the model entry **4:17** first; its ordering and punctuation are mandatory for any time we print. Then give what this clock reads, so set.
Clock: **6:36**
